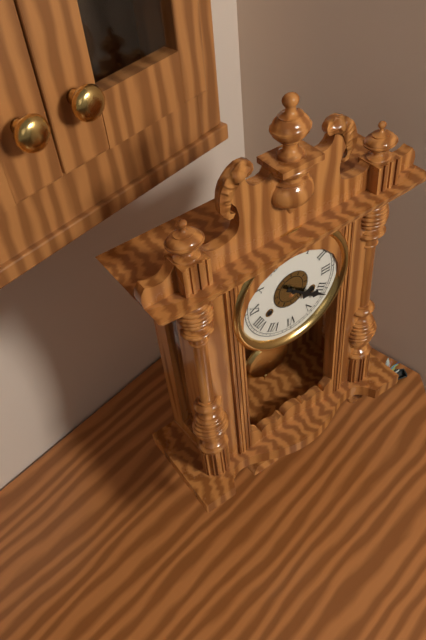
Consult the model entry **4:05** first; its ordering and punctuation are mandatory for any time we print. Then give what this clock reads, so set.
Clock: **4:21**
